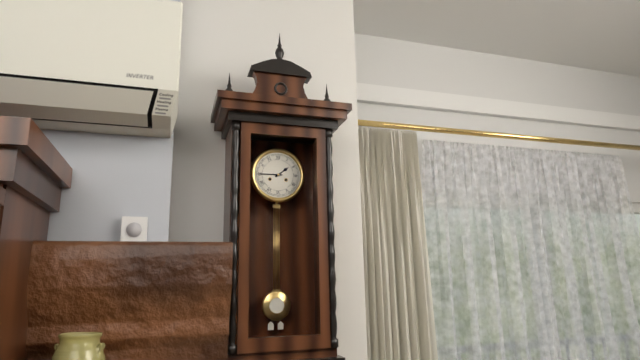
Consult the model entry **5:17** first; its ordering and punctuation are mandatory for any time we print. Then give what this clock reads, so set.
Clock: **1:45**
